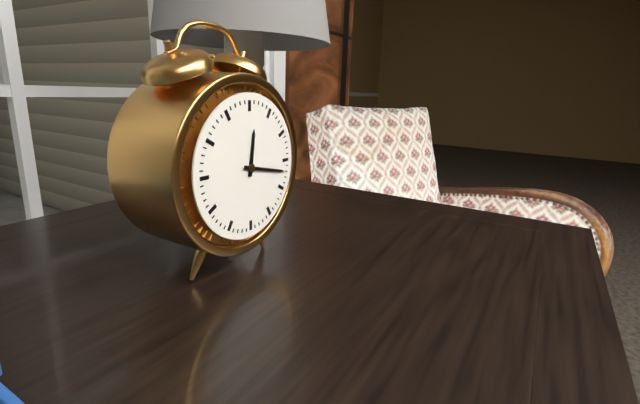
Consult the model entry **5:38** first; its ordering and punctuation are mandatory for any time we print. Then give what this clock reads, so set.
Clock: **12:17**
